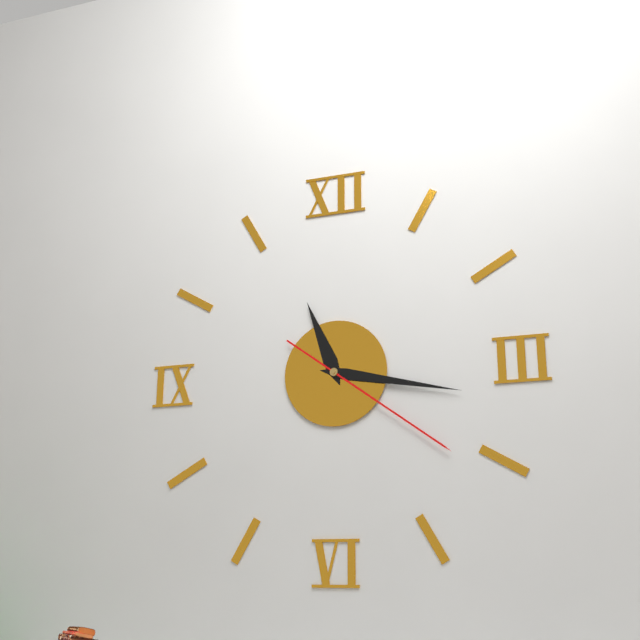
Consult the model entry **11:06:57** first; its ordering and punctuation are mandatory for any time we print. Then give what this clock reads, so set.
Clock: **11:17:21**
